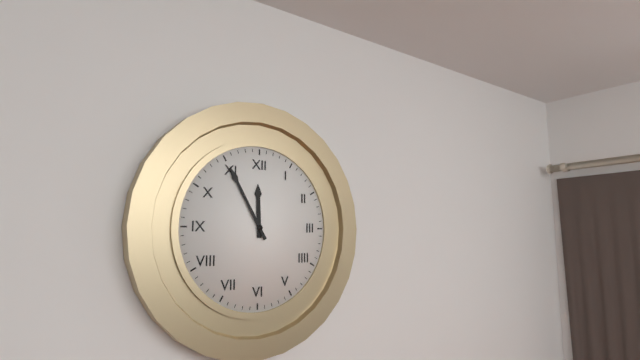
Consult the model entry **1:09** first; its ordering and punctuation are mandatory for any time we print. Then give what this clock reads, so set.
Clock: **11:55**
